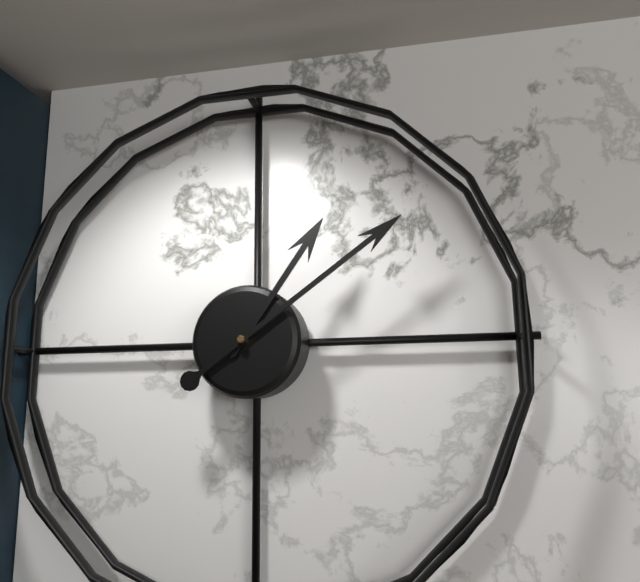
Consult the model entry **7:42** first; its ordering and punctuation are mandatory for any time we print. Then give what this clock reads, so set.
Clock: **1:09**
